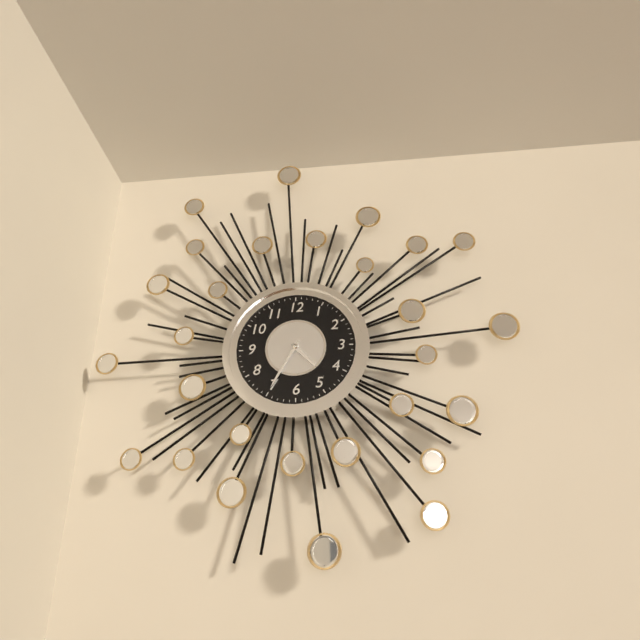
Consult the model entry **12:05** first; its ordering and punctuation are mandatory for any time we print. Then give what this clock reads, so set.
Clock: **4:35**
